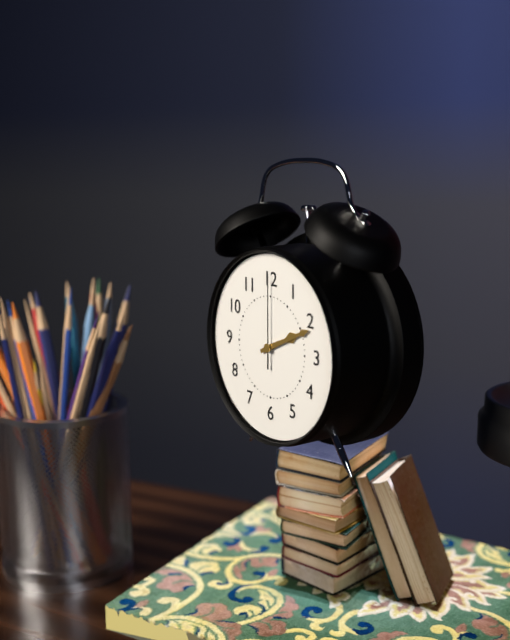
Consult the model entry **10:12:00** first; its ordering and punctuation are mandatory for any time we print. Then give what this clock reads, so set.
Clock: **2:11:00**
